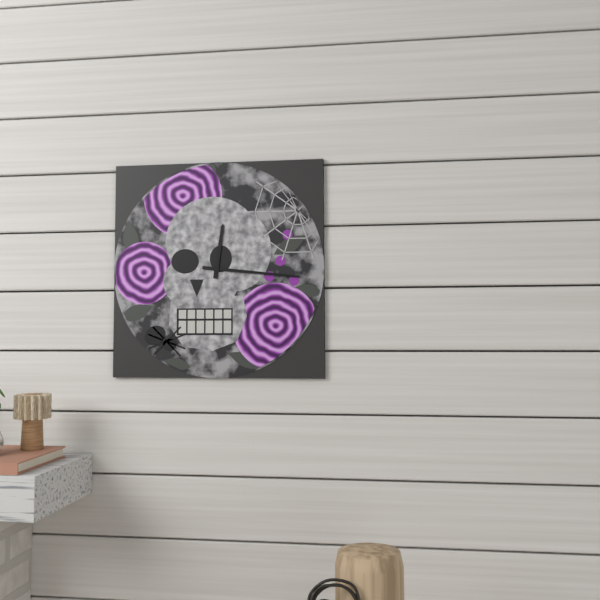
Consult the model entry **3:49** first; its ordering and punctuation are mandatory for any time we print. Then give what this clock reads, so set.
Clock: **12:16**
